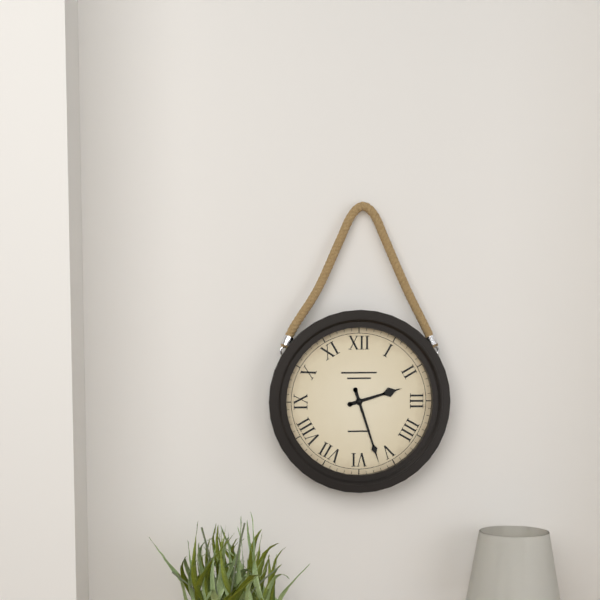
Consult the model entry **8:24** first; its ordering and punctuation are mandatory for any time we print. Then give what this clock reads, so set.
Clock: **2:27**
